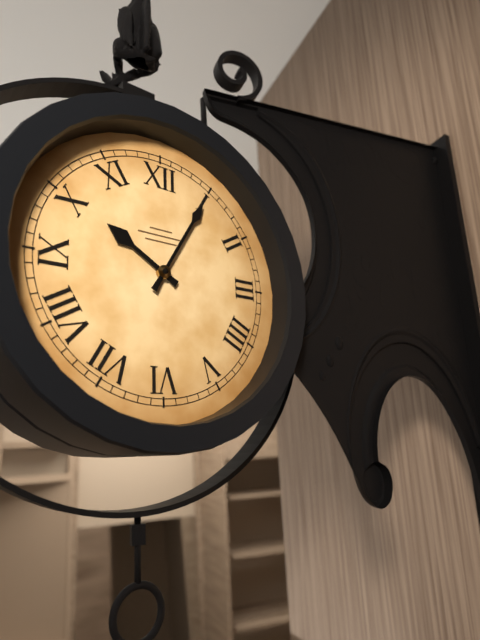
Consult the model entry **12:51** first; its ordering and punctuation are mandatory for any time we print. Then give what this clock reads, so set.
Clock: **10:05**
